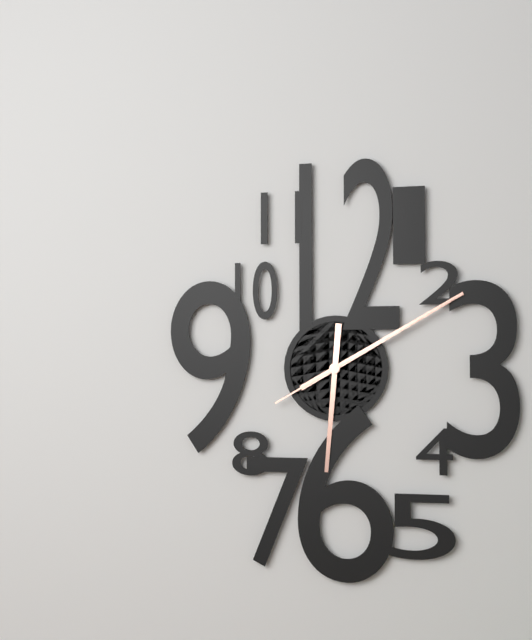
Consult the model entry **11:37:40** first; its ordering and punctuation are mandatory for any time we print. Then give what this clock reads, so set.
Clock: **6:10:10**
